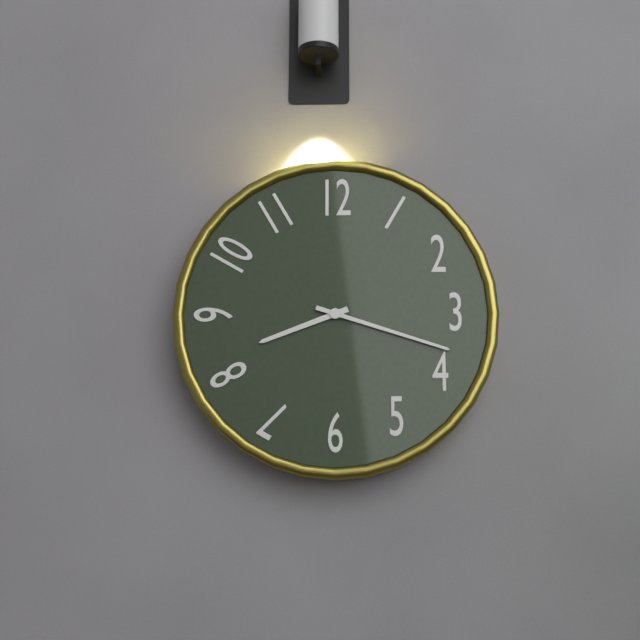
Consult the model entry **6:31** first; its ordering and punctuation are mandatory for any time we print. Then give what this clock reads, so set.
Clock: **8:18**
